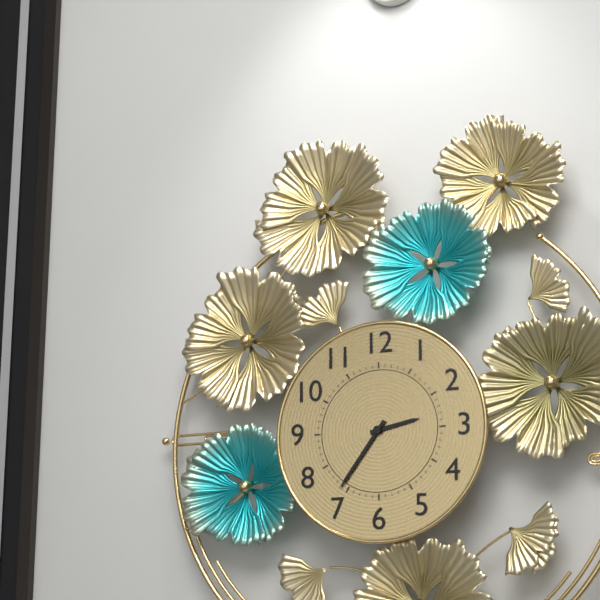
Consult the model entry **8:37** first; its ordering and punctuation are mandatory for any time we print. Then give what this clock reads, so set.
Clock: **2:36**
